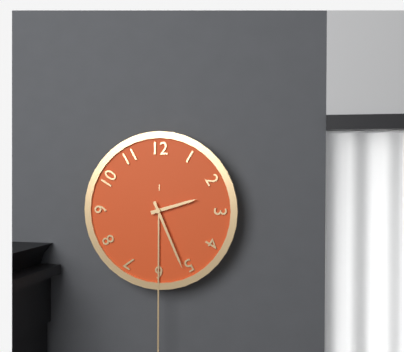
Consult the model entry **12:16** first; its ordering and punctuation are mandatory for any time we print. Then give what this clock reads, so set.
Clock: **2:26**
